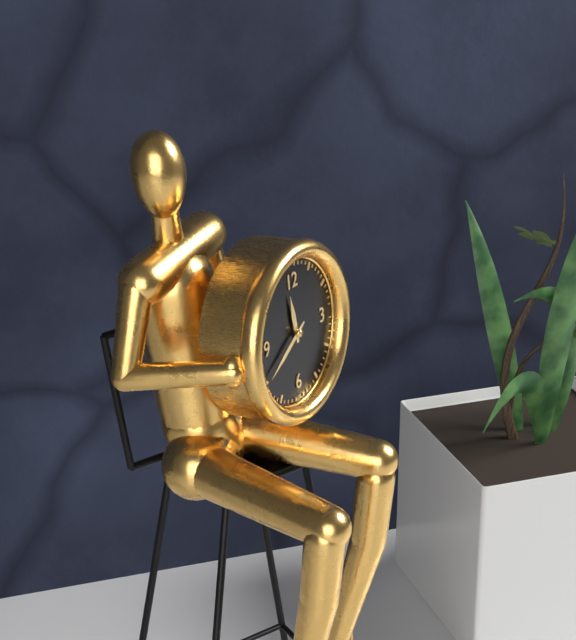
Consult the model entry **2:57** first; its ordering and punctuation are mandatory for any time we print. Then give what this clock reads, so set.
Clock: **11:40**
